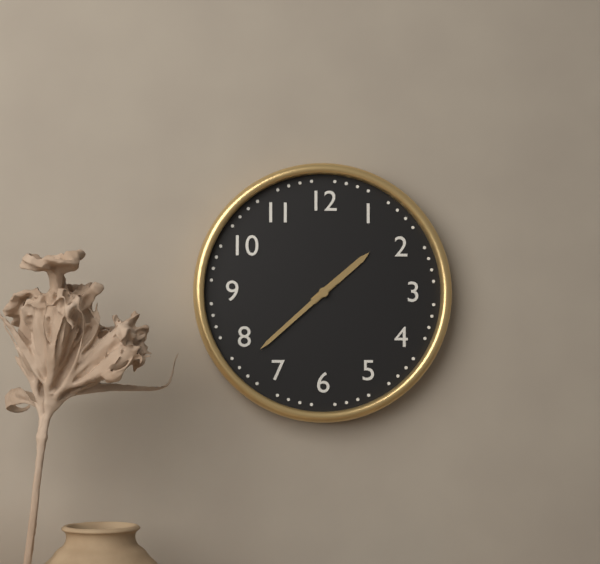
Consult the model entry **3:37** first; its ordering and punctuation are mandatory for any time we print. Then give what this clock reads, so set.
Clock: **1:38**
